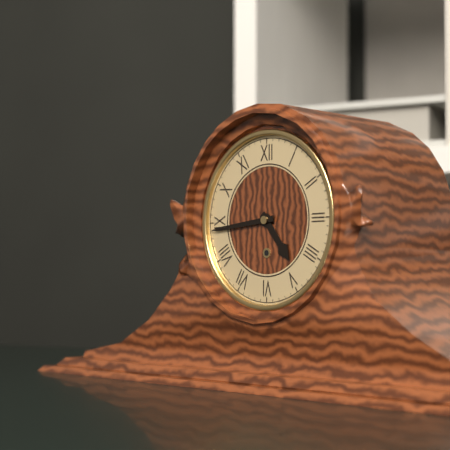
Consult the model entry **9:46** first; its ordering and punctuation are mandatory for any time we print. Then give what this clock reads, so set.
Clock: **4:44**
